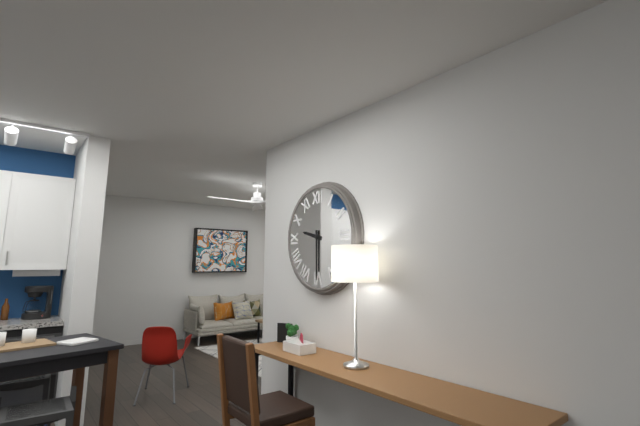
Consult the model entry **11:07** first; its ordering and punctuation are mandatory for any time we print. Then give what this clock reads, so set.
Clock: **9:30**
